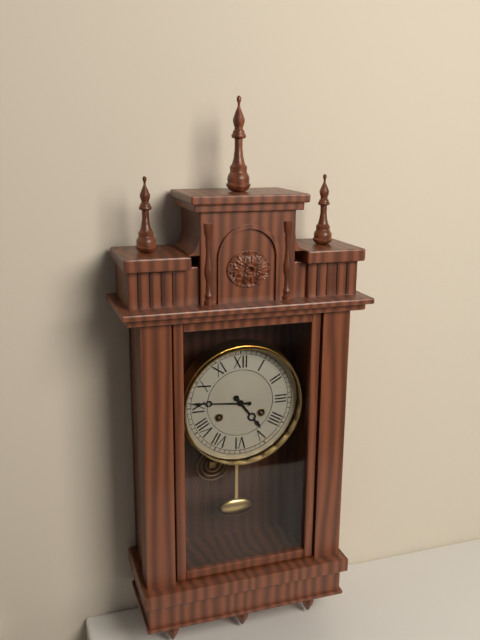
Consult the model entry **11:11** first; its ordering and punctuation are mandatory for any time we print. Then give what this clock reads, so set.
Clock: **4:46**
